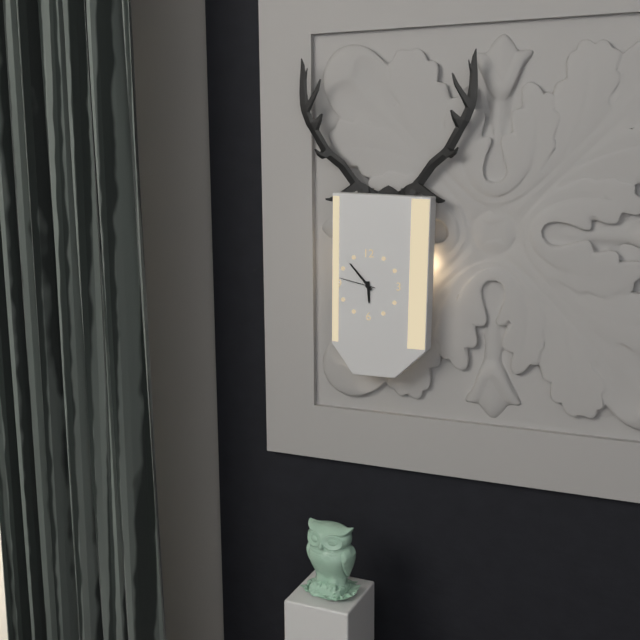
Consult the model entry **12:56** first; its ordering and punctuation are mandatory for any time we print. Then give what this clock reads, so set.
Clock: **5:53**
